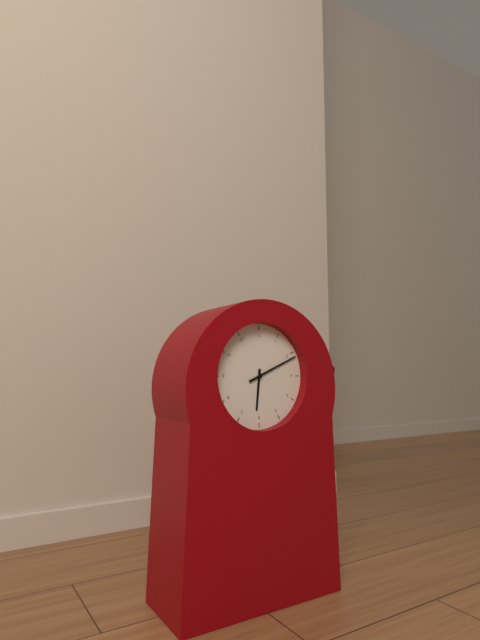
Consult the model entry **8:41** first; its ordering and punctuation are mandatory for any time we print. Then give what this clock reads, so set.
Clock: **6:11**
